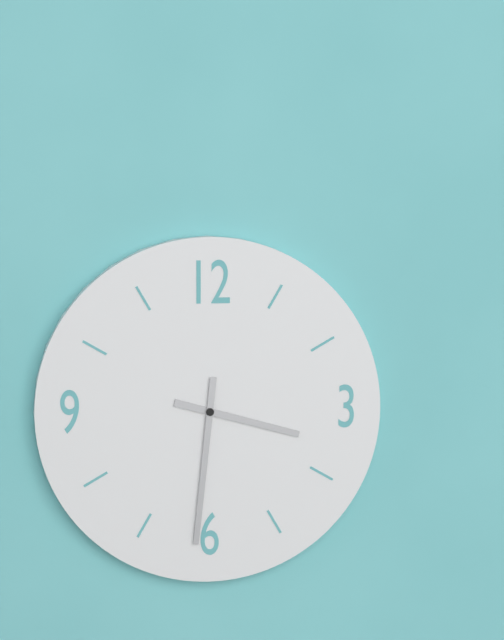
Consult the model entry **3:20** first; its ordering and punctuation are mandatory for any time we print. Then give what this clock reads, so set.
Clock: **3:31**
